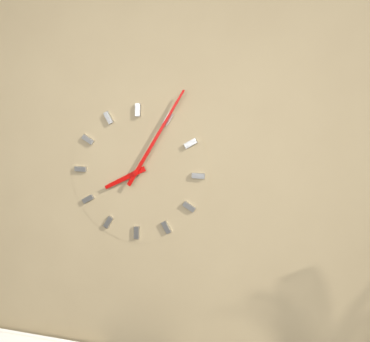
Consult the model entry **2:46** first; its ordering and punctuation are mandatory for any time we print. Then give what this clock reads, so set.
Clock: **8:05**
